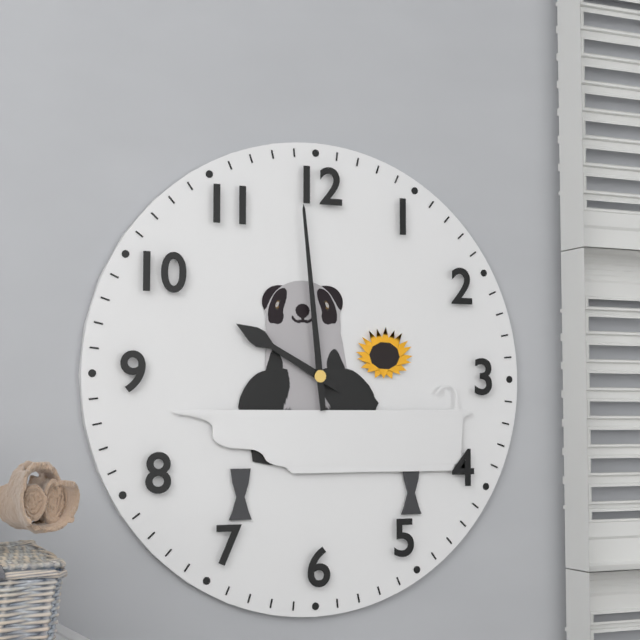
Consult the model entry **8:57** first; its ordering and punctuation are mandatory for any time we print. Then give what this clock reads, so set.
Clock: **9:59**
